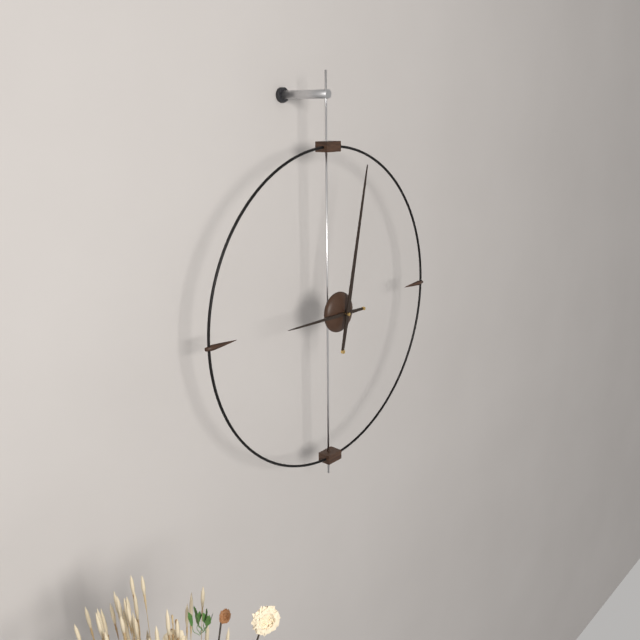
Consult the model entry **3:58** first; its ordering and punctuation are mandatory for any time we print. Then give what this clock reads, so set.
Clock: **9:02**
